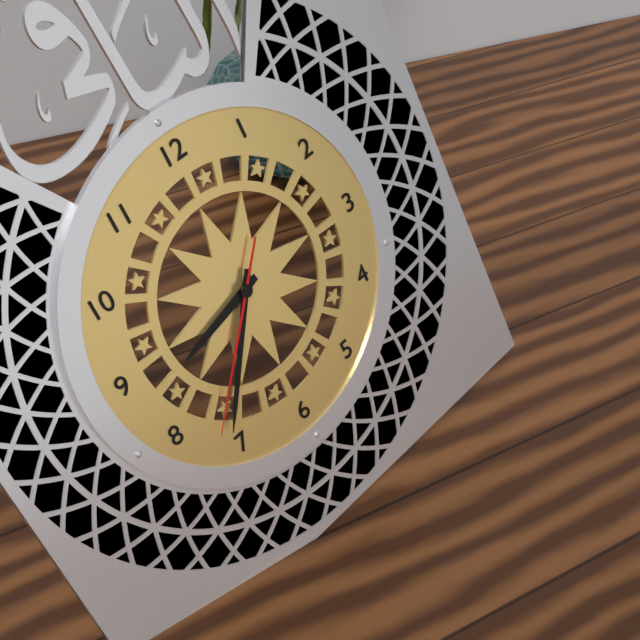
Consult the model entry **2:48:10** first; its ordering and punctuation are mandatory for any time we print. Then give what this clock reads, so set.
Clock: **8:36:37**
